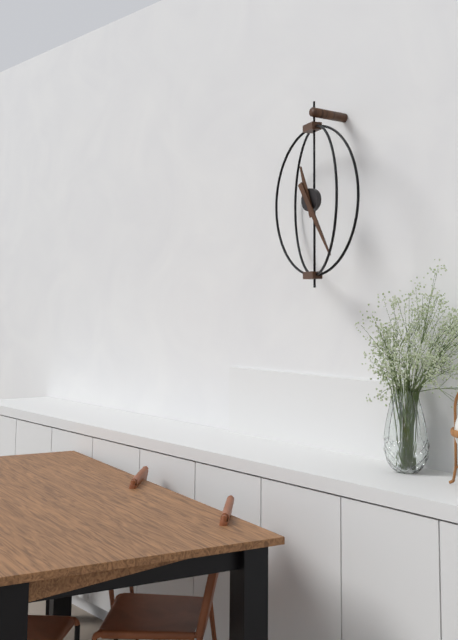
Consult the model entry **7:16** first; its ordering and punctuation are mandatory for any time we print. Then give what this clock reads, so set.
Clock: **11:25**
